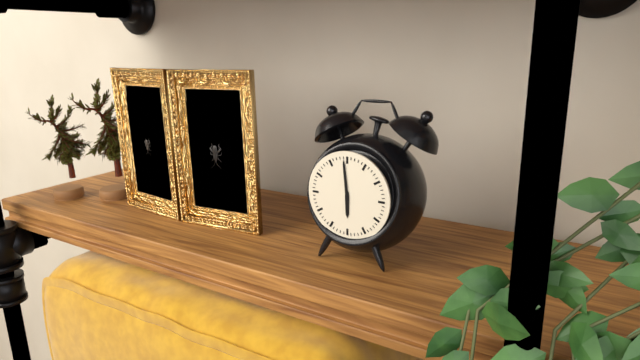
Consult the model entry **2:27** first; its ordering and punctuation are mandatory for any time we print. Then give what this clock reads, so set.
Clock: **5:59**
